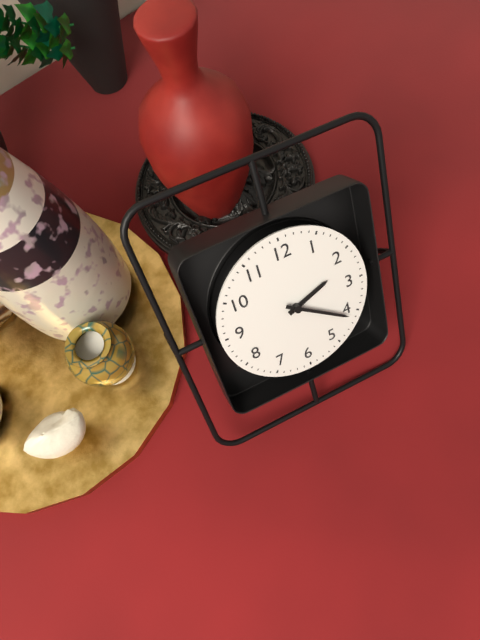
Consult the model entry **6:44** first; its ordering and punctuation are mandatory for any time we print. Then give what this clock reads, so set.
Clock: **2:21**
